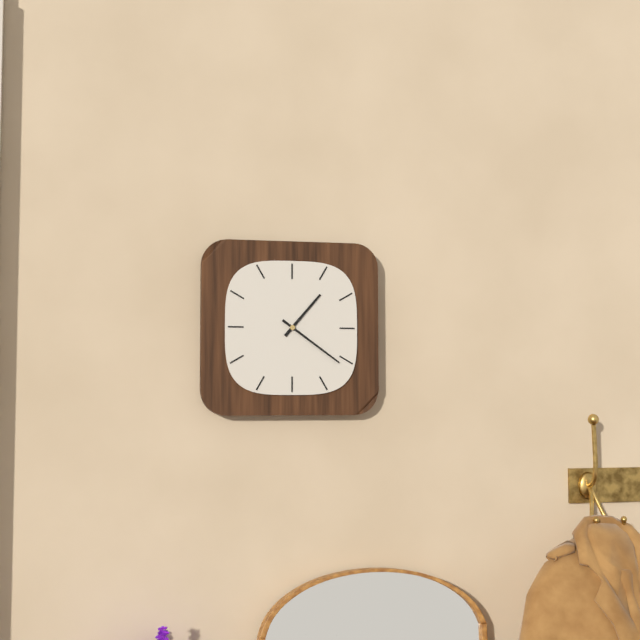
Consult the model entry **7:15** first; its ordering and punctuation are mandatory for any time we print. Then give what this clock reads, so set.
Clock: **1:21**
